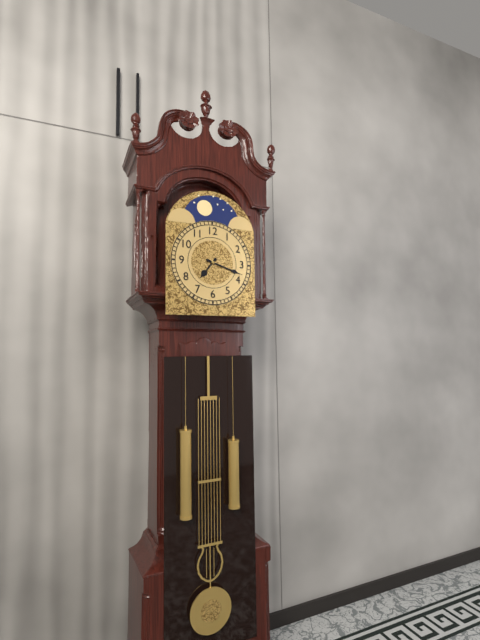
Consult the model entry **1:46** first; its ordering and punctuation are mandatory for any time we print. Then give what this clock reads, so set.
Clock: **7:18**
